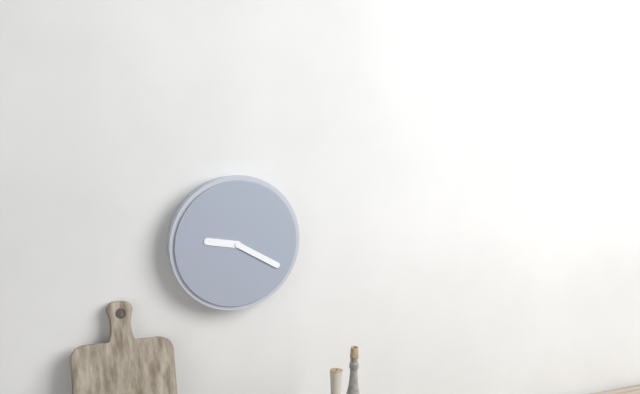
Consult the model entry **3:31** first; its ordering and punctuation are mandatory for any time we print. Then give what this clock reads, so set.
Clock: **9:20**
